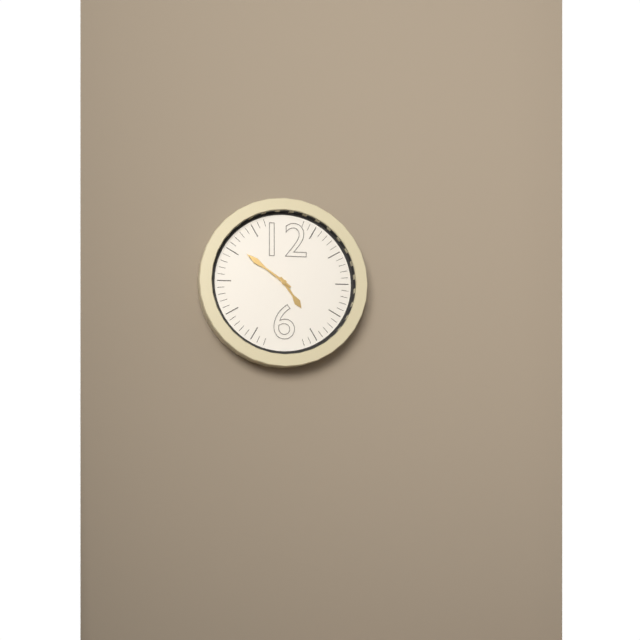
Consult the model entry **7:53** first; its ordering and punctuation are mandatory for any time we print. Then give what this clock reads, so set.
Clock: **4:51**
